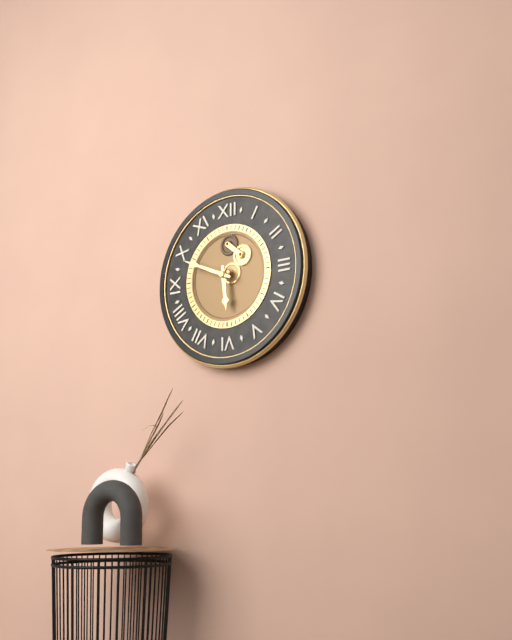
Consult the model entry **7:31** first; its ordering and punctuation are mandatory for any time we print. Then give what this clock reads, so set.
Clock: **5:49**
